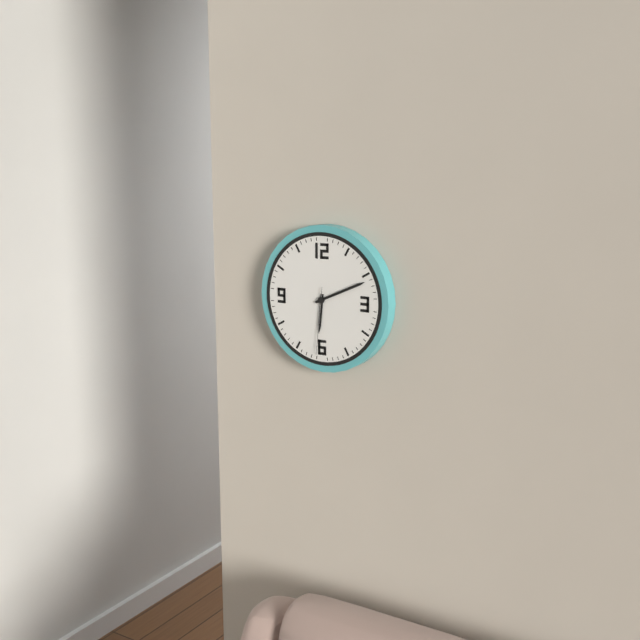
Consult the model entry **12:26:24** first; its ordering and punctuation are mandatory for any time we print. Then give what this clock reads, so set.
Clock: **6:11:31**
